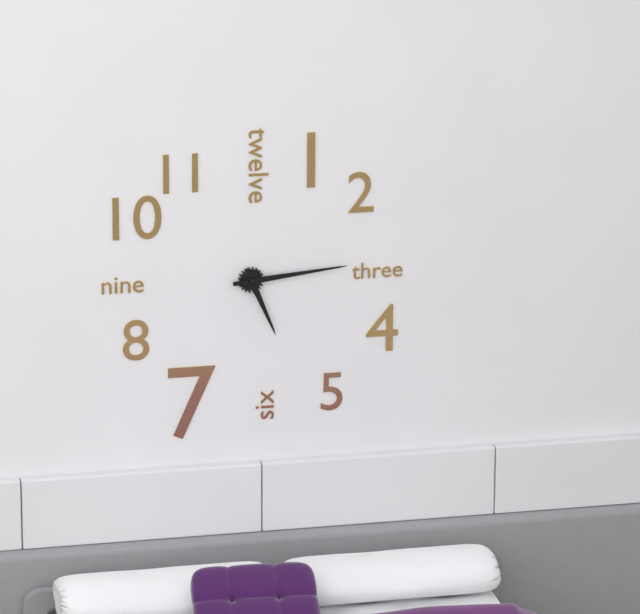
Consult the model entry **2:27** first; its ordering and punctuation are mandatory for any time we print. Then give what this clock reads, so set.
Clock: **5:14**
